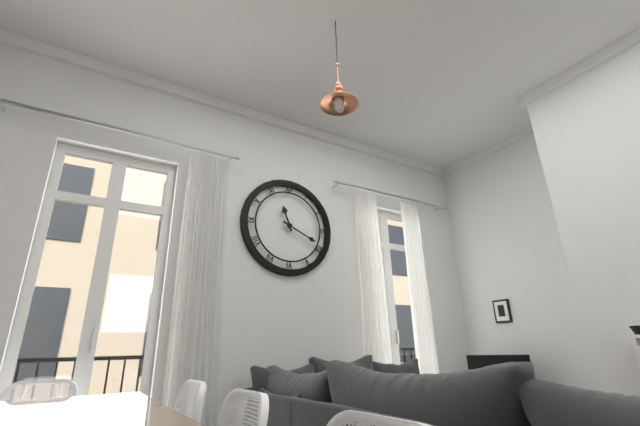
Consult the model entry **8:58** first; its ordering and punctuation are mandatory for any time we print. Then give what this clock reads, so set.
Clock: **11:19**
